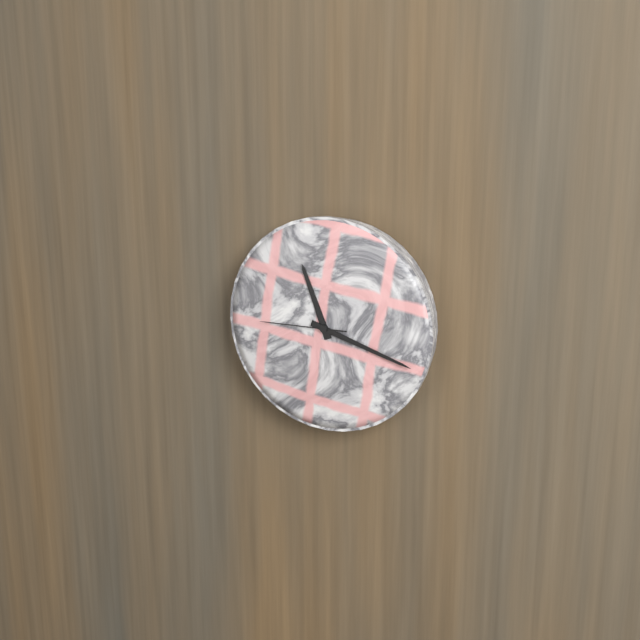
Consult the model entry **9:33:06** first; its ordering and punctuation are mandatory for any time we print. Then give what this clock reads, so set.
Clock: **11:18:45**
